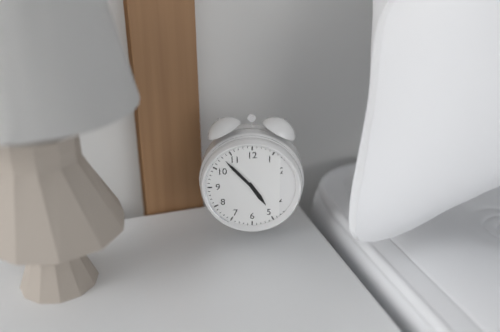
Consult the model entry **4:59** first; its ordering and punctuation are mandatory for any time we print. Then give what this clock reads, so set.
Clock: **4:53**
